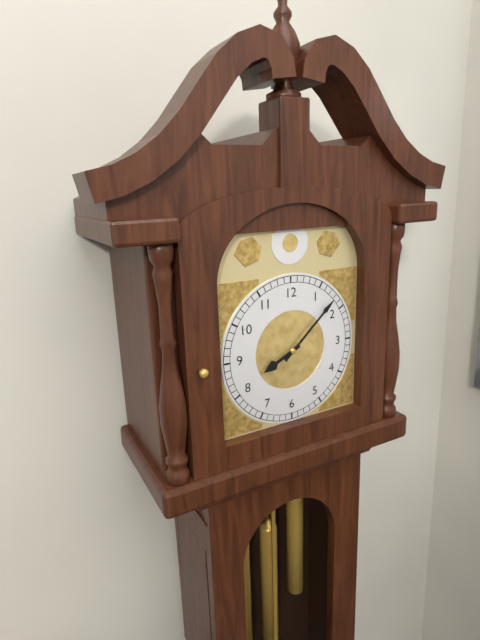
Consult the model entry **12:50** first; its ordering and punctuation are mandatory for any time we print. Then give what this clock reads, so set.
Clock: **8:08**
